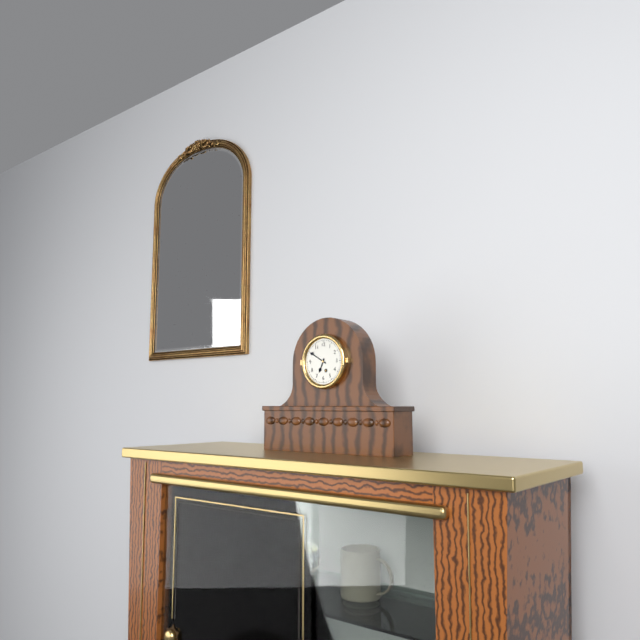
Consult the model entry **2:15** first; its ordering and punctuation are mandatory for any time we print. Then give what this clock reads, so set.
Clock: **6:50**
